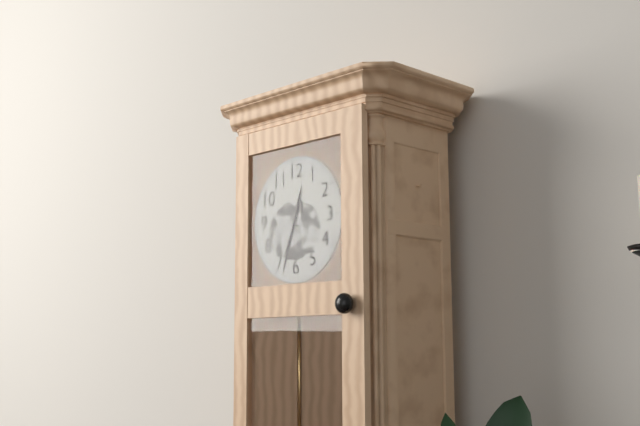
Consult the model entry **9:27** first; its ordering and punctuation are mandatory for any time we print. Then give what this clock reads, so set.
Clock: **12:33**
